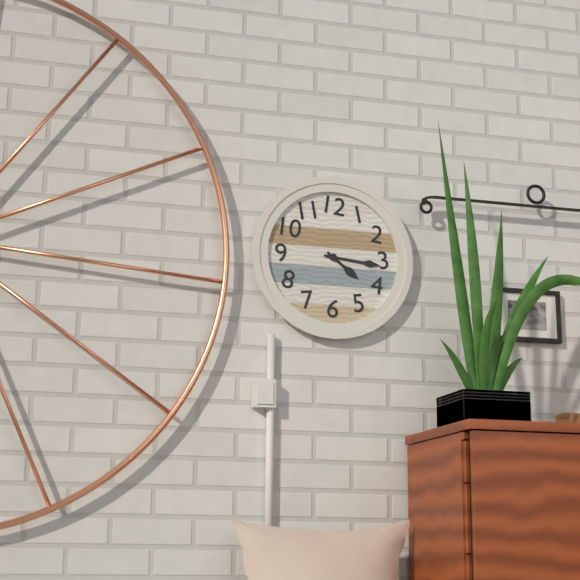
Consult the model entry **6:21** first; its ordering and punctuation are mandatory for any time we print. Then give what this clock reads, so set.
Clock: **4:16**
